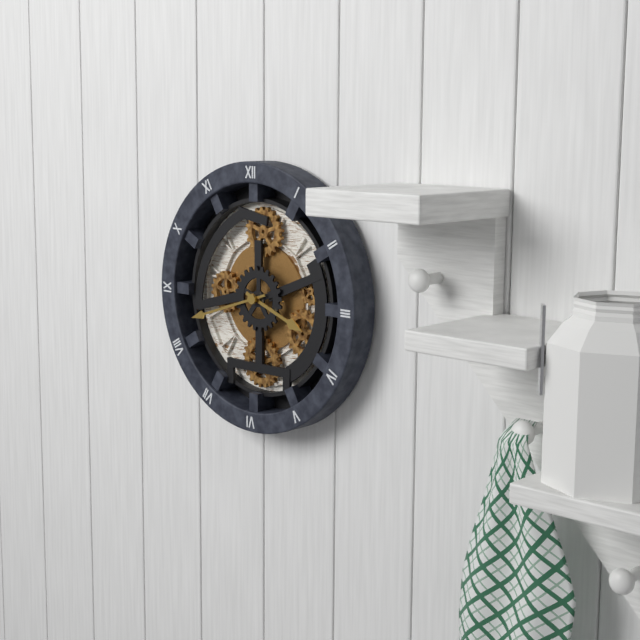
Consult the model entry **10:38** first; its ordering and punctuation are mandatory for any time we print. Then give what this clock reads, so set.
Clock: **3:42**
